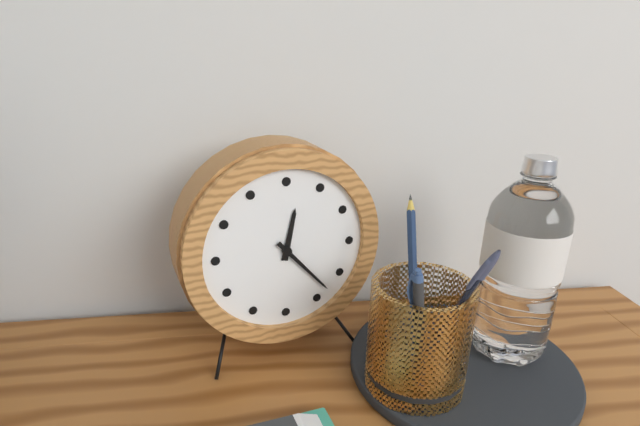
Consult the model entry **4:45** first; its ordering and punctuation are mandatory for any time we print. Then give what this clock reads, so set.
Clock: **12:23**
